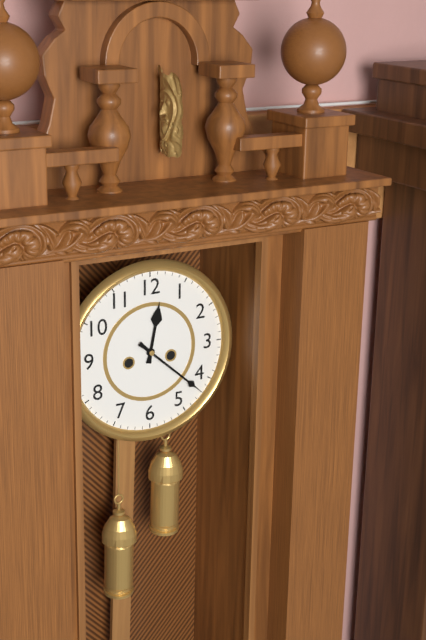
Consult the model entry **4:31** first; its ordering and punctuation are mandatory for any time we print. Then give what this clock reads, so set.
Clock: **12:22**
